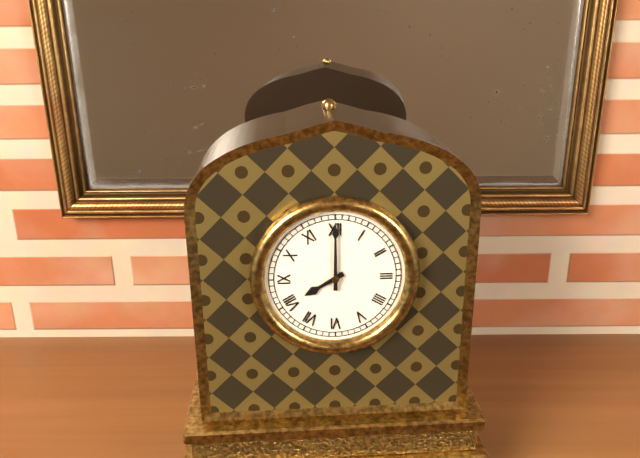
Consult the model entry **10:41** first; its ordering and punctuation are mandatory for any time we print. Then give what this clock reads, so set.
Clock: **8:00**
